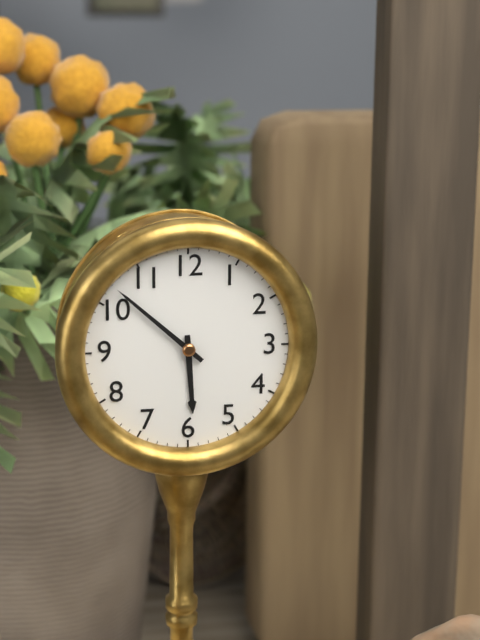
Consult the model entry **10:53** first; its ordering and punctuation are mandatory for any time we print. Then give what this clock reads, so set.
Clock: **5:52**
